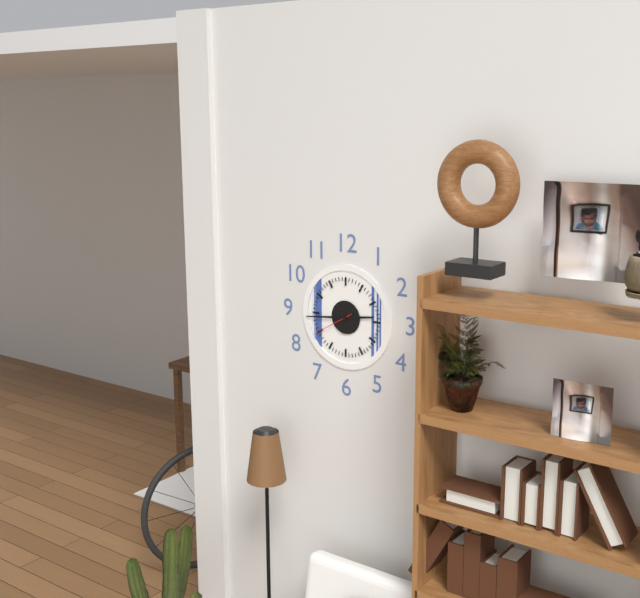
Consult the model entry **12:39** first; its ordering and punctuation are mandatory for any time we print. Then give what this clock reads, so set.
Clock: **2:44**
